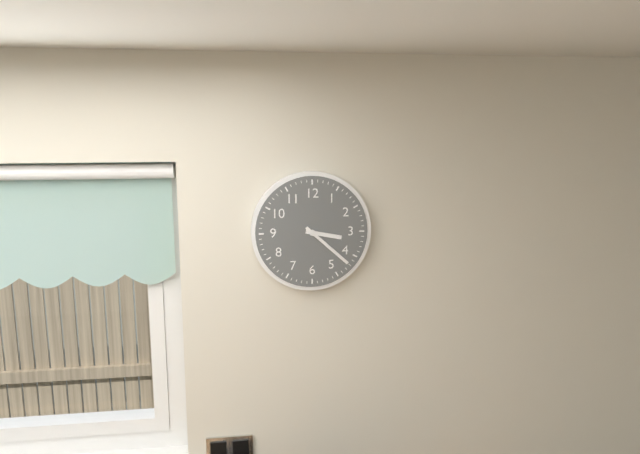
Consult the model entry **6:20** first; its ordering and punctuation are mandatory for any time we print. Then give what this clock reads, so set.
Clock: **3:22**
